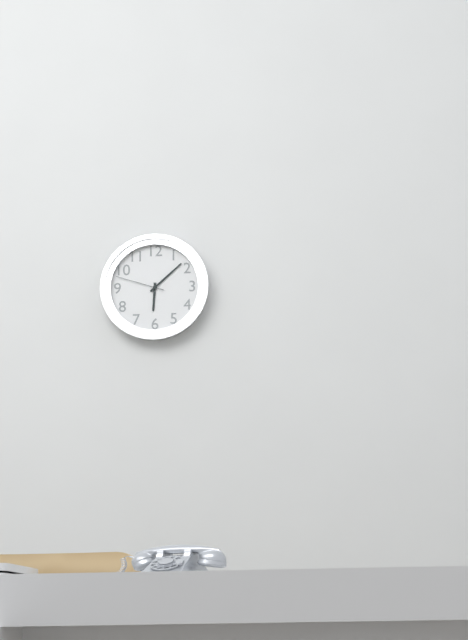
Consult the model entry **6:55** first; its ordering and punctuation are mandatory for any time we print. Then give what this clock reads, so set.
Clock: **6:08**
